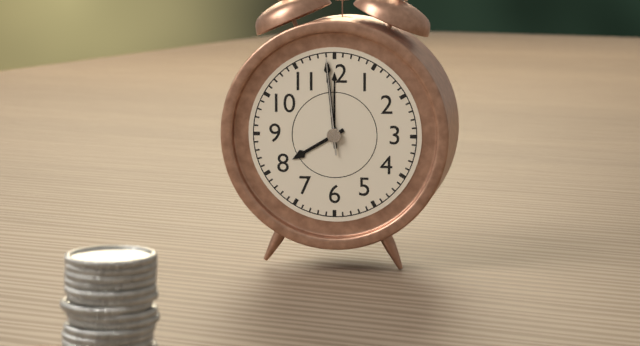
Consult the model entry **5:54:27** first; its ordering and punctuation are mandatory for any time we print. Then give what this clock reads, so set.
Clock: **7:59:59**
